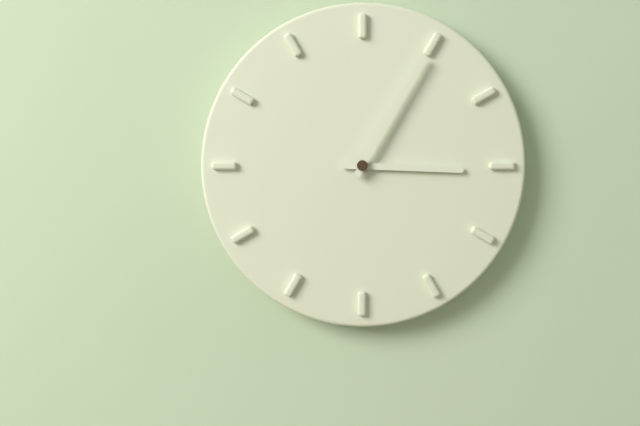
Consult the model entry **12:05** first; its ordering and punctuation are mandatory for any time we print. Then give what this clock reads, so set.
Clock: **3:05**
